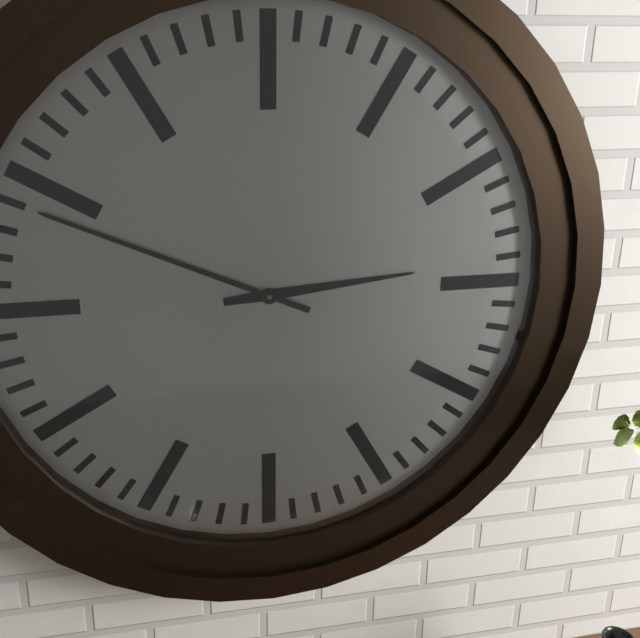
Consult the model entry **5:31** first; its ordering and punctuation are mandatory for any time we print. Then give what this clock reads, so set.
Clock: **2:49**
